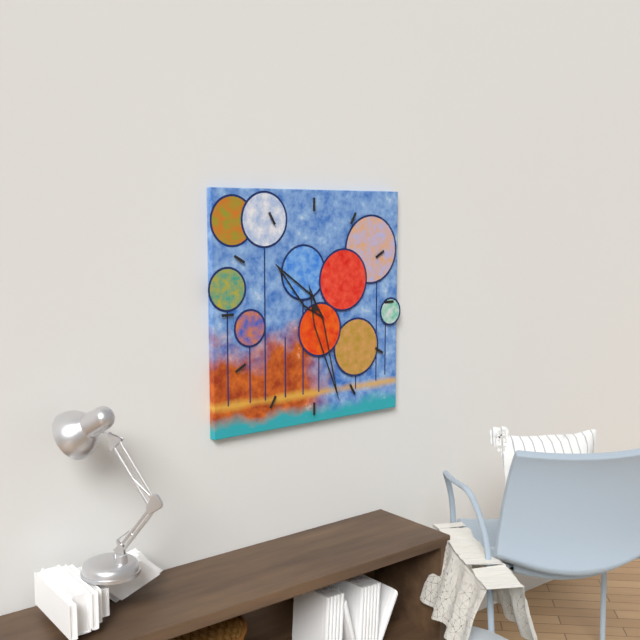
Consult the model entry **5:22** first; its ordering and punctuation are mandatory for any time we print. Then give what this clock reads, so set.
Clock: **10:27**
